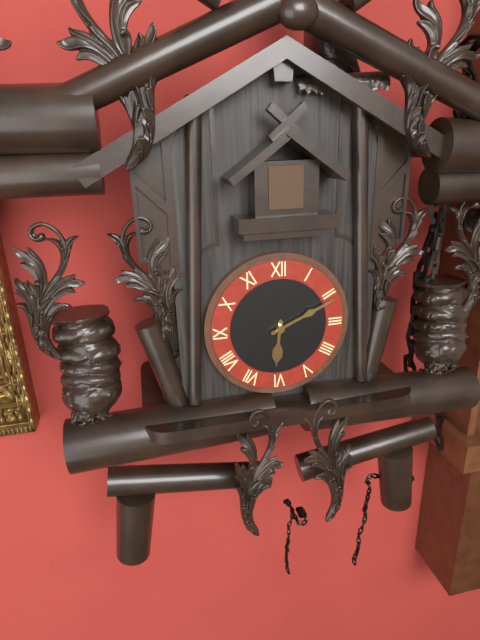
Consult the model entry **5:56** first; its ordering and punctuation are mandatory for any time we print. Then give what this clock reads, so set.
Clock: **6:11**
